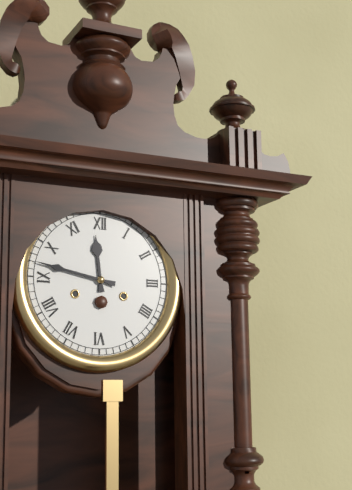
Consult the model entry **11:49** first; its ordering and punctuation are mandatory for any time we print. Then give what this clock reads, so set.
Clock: **11:47**
